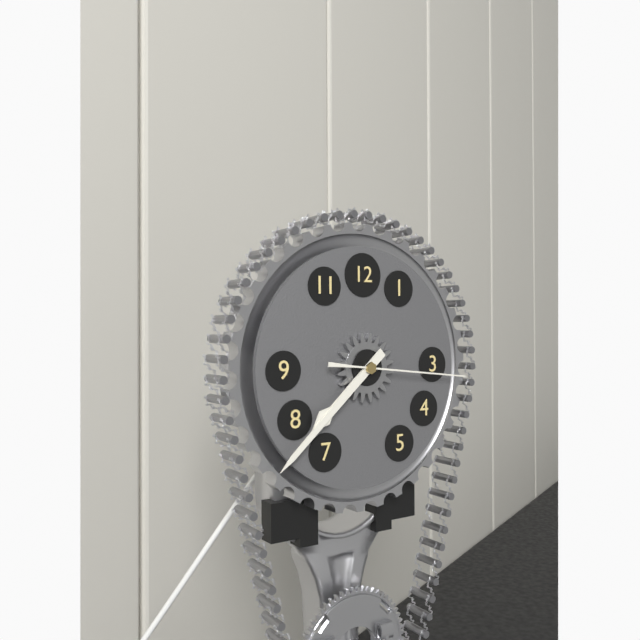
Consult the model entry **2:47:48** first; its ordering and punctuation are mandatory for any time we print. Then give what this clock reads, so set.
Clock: **7:38:16**
